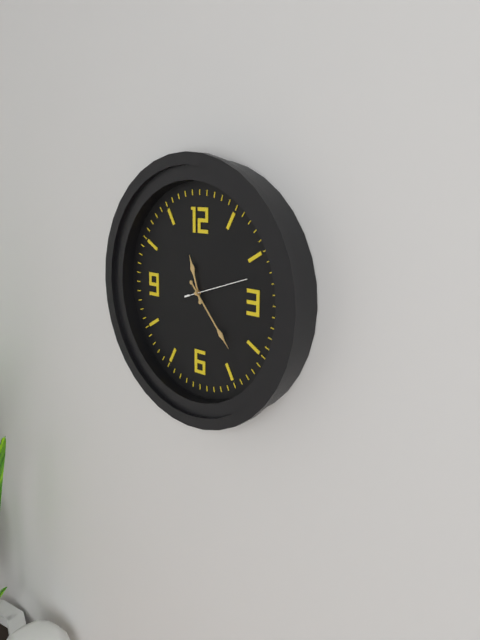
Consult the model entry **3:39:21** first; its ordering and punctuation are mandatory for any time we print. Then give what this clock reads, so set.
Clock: **11:23:12**
